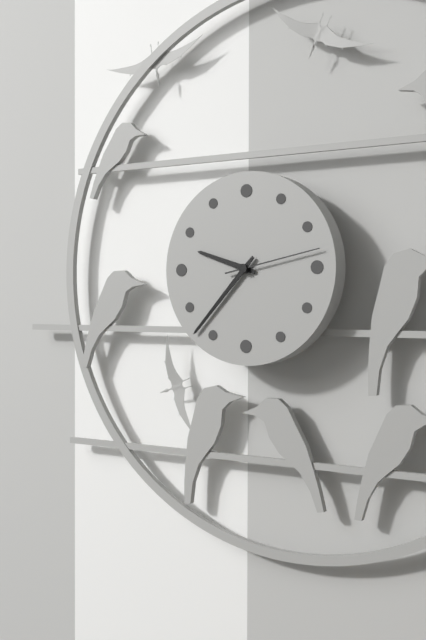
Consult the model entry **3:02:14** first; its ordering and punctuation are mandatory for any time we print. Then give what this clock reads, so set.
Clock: **9:37:13**
